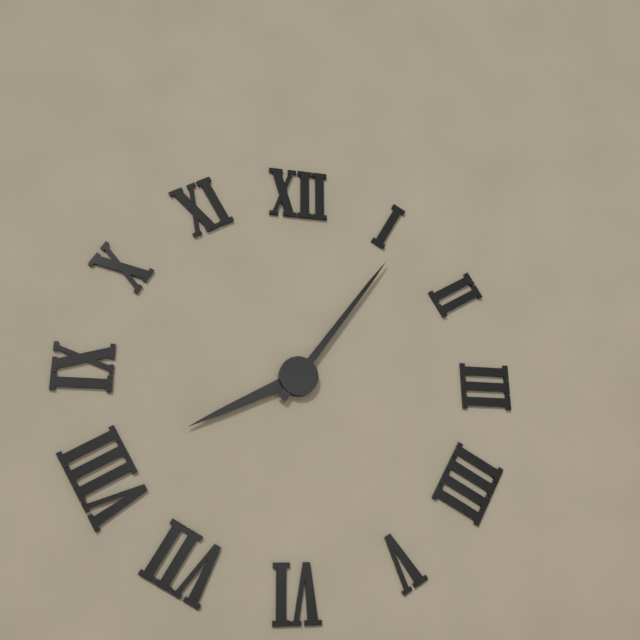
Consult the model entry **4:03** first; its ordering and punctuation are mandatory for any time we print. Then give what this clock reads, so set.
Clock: **8:06**
